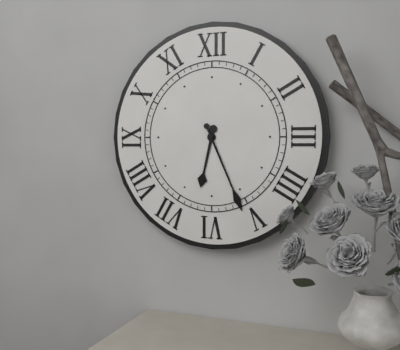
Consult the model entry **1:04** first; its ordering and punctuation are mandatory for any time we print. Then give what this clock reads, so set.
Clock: **6:26**
